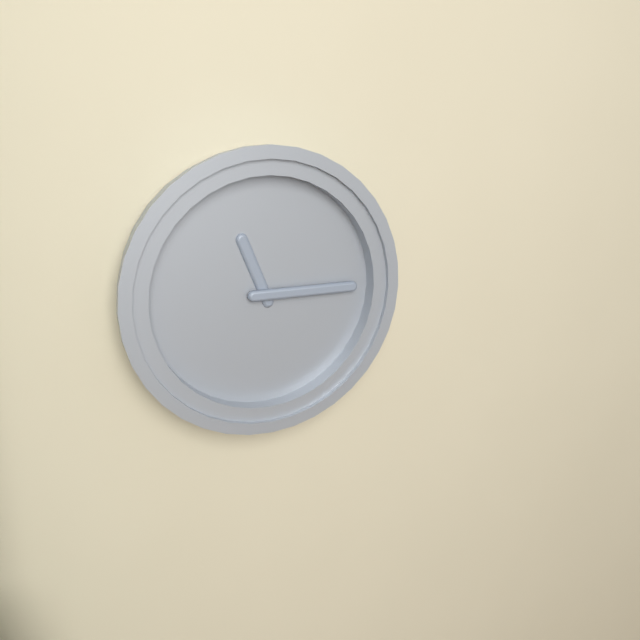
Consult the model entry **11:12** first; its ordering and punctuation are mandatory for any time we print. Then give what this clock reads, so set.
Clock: **11:15**
